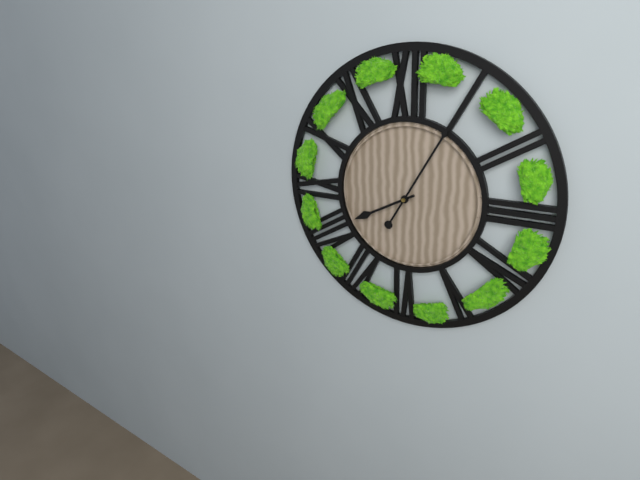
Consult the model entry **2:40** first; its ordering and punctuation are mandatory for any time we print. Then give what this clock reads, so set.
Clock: **8:05**
